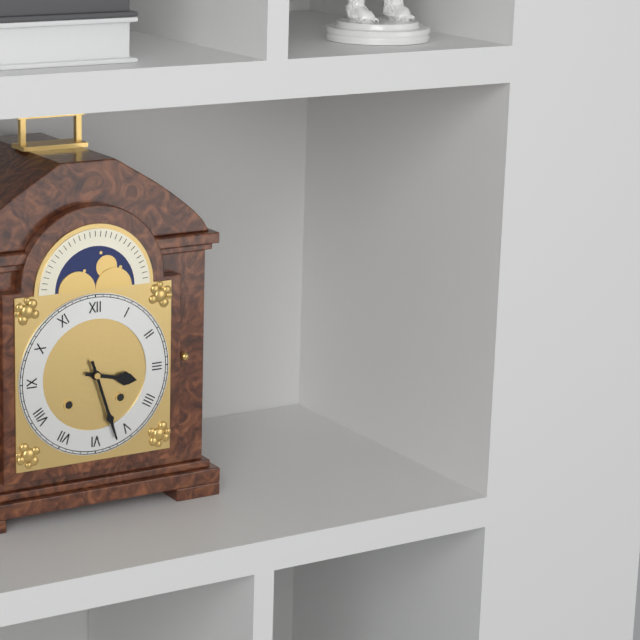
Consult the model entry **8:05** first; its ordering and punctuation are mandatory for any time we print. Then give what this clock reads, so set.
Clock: **3:27**
